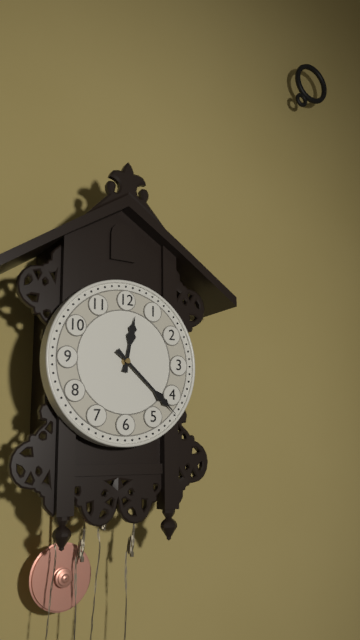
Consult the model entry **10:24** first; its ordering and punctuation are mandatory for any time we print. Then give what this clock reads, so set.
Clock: **12:22**
